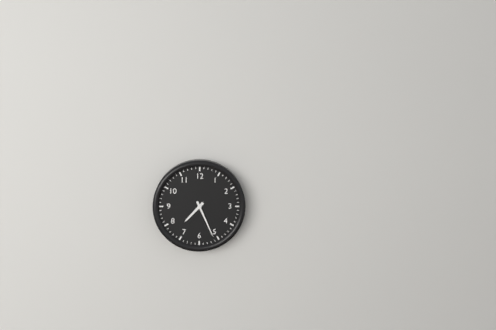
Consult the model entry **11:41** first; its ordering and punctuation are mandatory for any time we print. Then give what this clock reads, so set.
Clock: **7:26**
